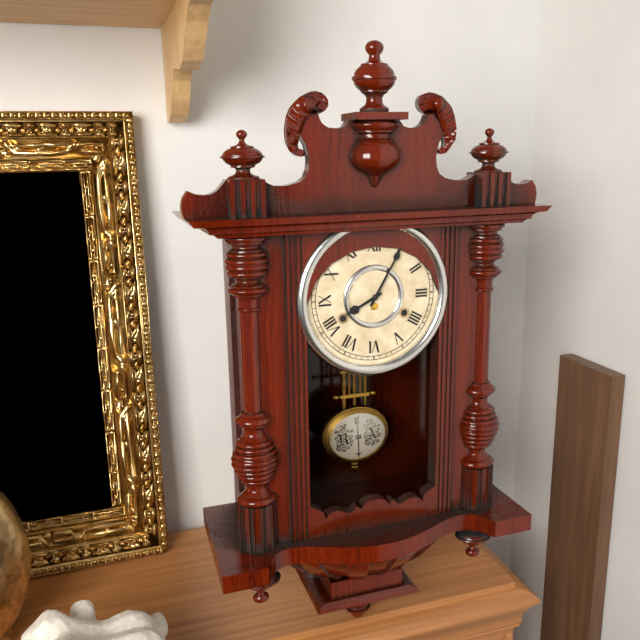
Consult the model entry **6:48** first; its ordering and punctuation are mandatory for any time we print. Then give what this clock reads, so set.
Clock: **8:05**
